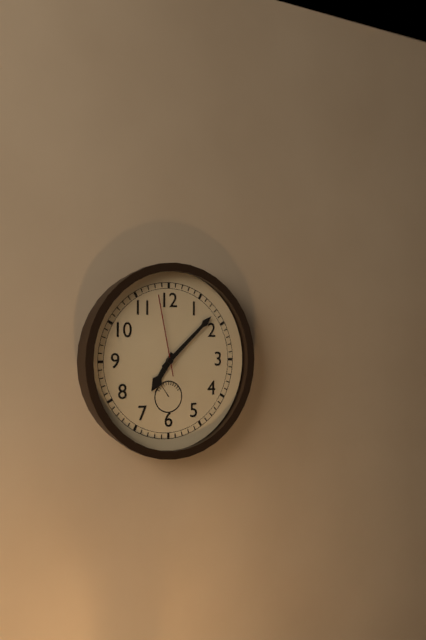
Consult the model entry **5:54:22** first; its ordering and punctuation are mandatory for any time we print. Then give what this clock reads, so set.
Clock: **7:08:58**
